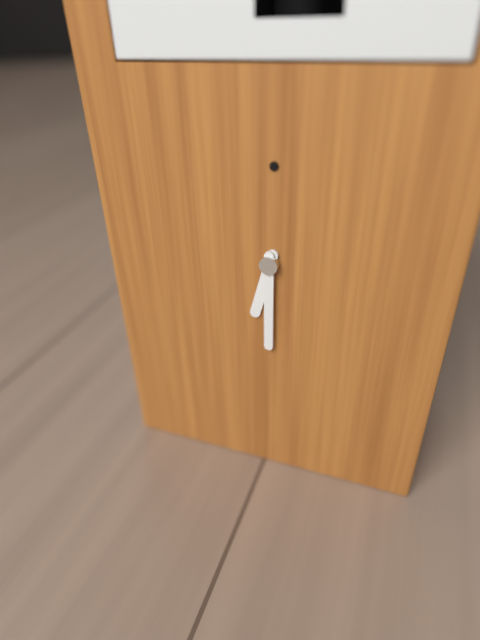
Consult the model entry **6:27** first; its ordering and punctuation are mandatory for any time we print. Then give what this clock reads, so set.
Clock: **6:30**
